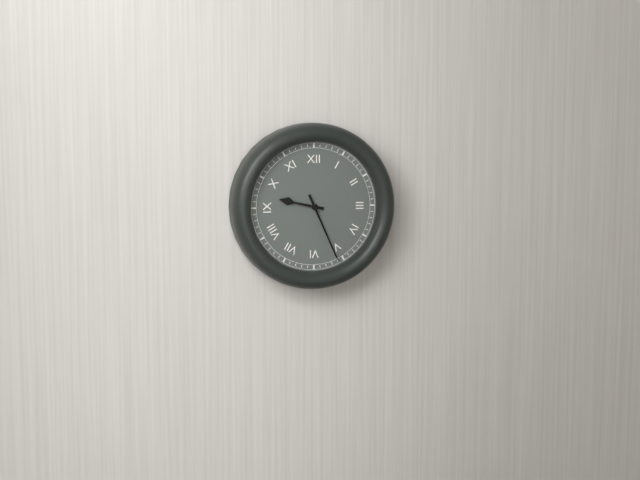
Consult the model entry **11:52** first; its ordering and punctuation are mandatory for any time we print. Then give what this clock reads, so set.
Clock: **9:26**
